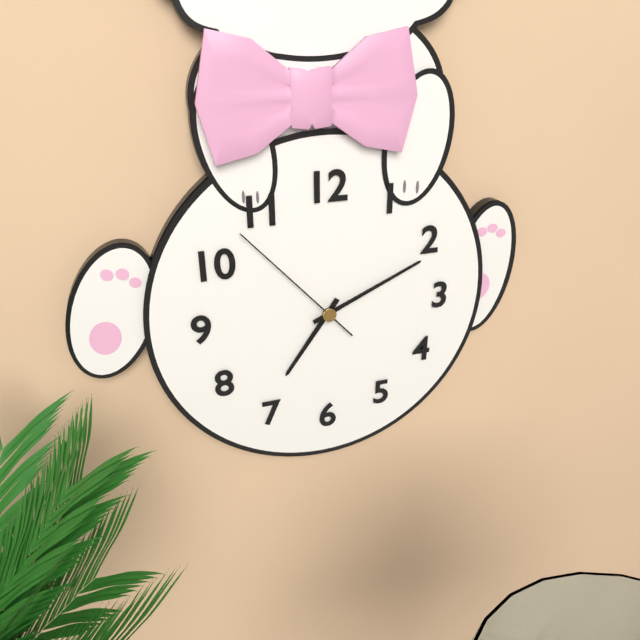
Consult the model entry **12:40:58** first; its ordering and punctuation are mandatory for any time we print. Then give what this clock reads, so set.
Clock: **7:11:53**
